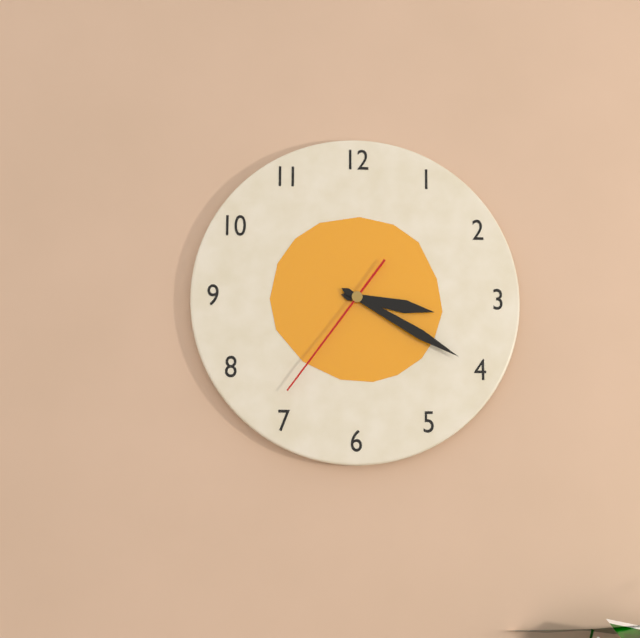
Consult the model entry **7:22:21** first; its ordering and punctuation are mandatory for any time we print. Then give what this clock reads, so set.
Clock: **3:20:36**
